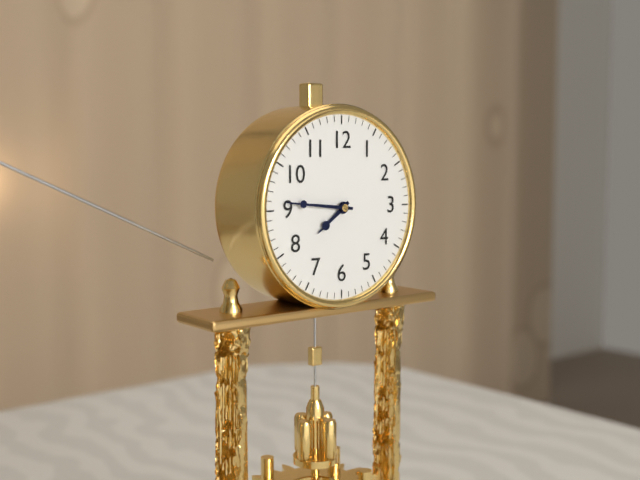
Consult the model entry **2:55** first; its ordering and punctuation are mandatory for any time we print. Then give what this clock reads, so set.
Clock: **7:46**
